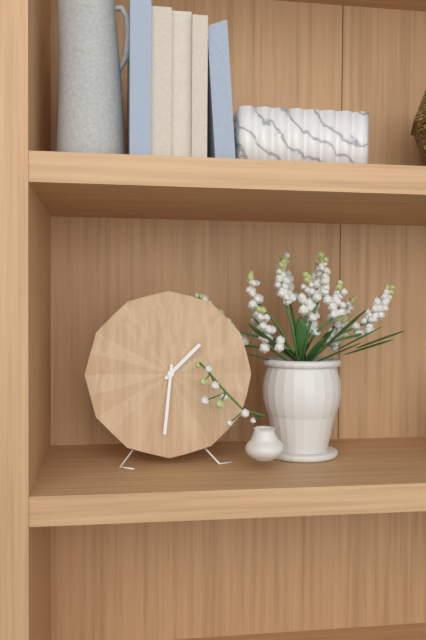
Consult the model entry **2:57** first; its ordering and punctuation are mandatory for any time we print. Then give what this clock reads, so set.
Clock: **1:31**
